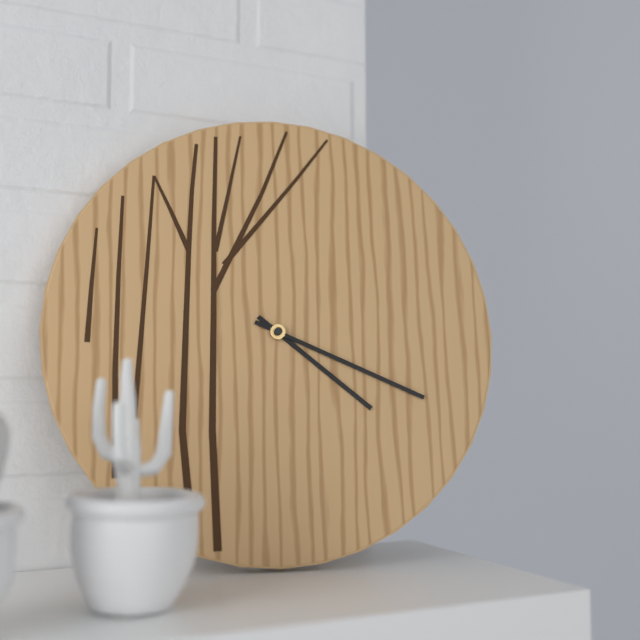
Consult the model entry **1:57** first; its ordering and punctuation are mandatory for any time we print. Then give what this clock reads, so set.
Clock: **4:19**
